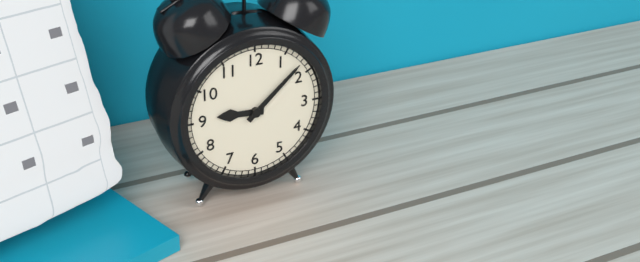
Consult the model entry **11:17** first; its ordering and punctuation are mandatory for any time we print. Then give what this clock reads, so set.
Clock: **9:08**
